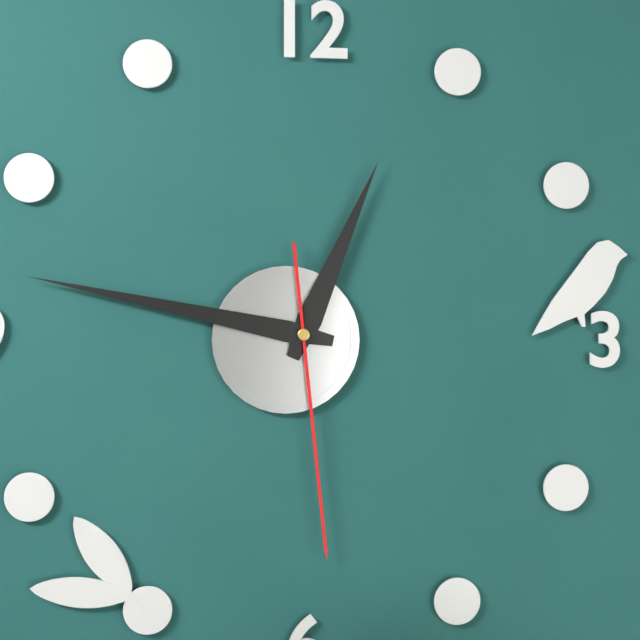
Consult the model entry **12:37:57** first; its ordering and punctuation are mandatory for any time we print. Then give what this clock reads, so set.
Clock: **12:47:29**
